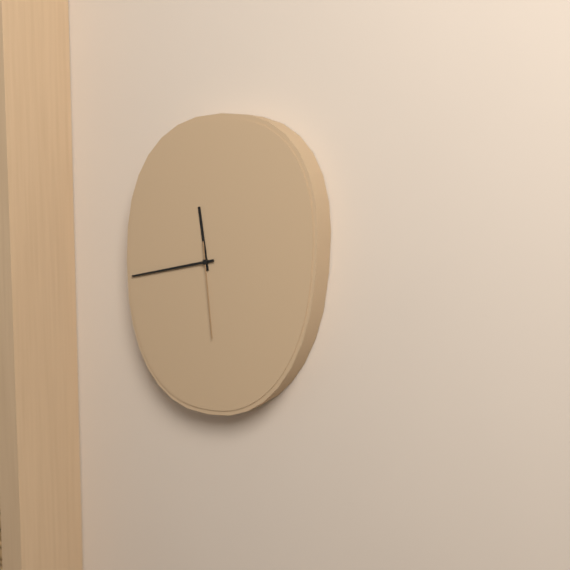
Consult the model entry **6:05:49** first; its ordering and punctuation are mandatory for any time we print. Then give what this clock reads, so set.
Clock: **11:43:29**
